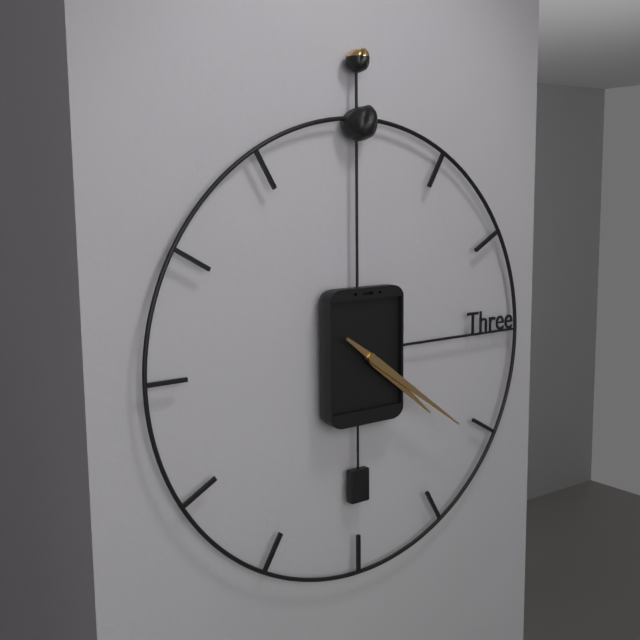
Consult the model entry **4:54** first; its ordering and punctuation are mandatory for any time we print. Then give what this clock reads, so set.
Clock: **4:21**
